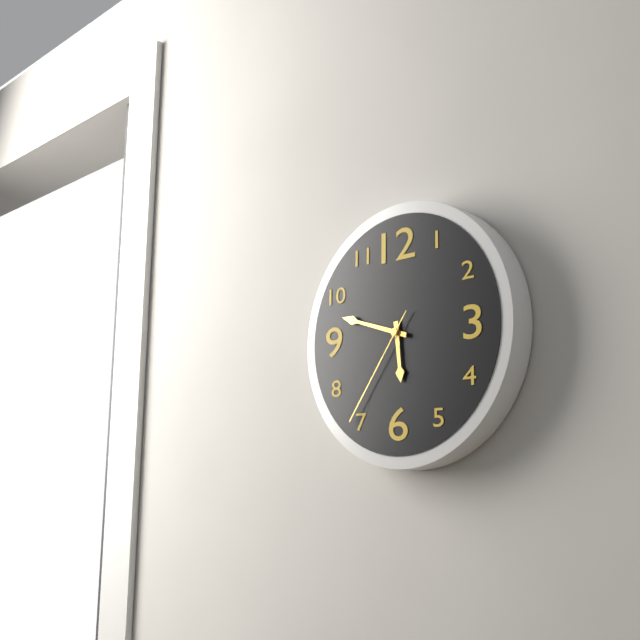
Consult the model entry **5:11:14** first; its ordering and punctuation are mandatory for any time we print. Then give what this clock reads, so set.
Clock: **5:48:36**
